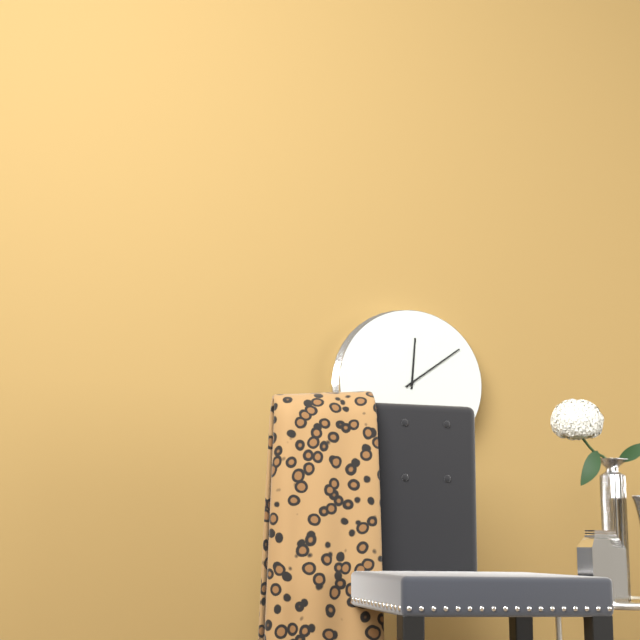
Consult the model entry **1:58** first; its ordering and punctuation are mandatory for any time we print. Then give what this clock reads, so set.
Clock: **12:09**
